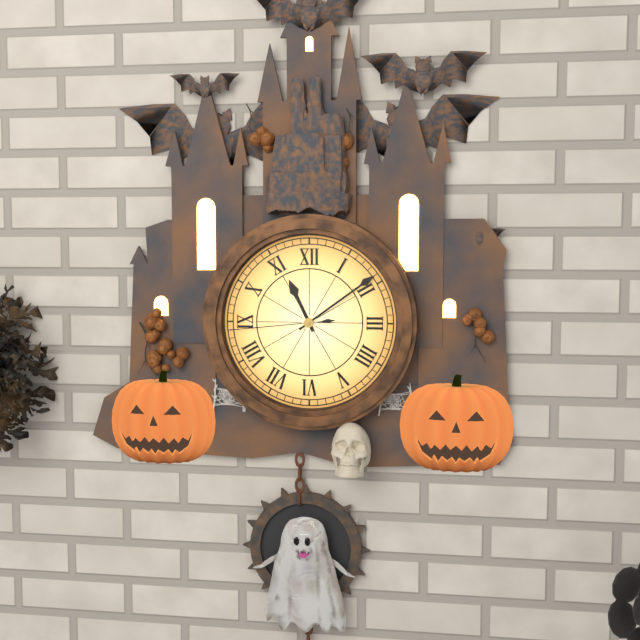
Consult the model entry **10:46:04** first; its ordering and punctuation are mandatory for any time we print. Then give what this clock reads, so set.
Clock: **11:09:44**
